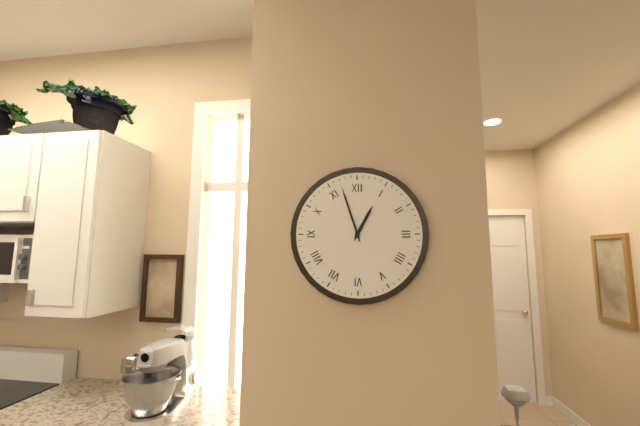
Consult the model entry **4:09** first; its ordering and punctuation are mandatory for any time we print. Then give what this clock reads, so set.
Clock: **12:57**
